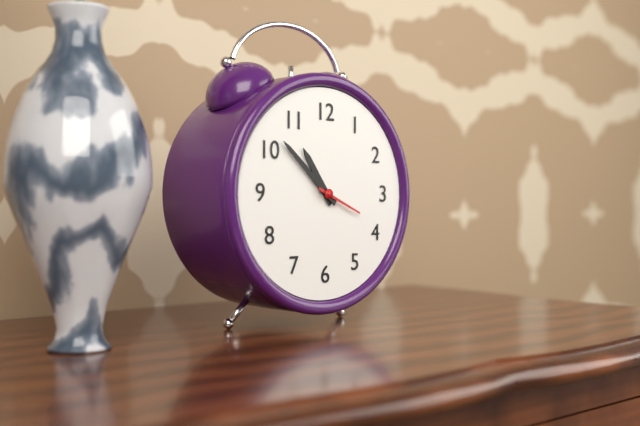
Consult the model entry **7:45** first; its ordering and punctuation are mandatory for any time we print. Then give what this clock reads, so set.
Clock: **10:52**
